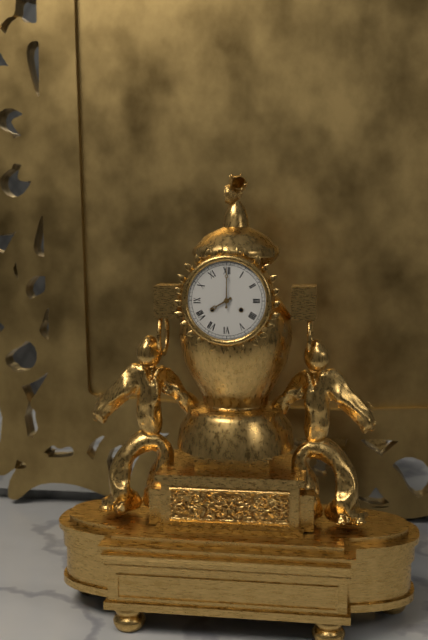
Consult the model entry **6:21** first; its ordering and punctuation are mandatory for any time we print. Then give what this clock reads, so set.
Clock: **8:00**
